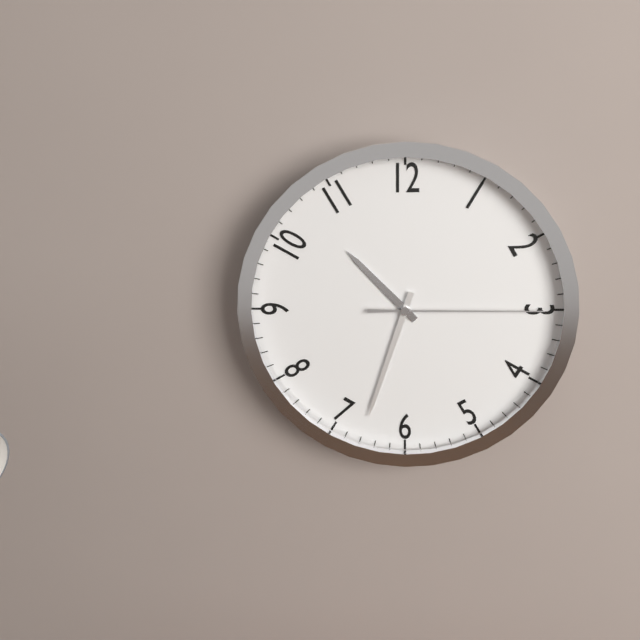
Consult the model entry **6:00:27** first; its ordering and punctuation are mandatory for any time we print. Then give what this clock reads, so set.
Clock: **10:33:15**
